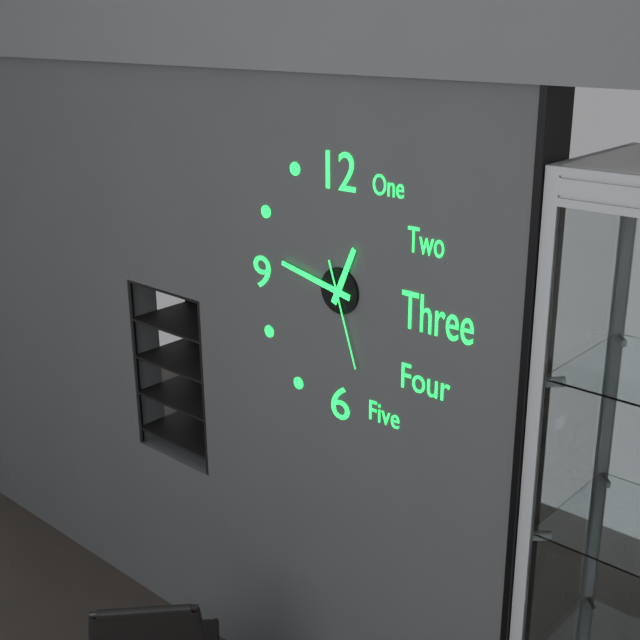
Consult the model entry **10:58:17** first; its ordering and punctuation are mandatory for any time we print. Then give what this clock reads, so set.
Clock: **12:47:27**
